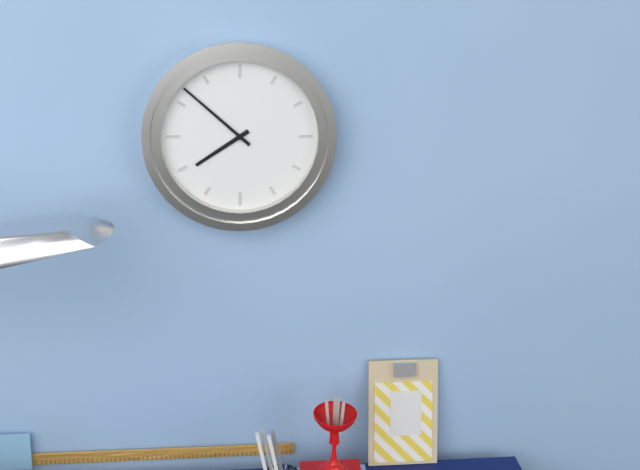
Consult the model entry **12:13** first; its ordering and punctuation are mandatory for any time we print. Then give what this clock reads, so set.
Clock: **7:52**
